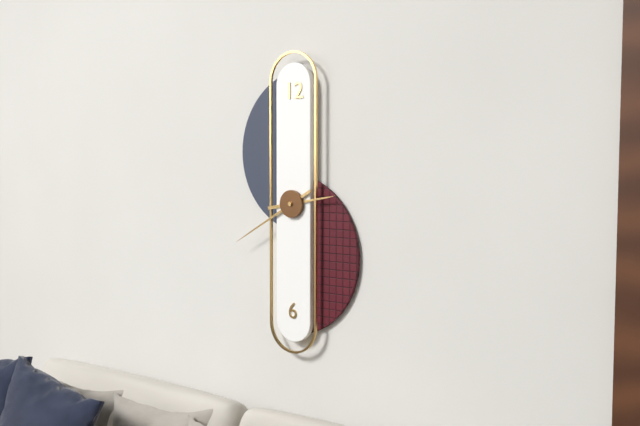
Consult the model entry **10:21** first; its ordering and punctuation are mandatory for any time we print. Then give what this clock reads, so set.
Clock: **2:40**
